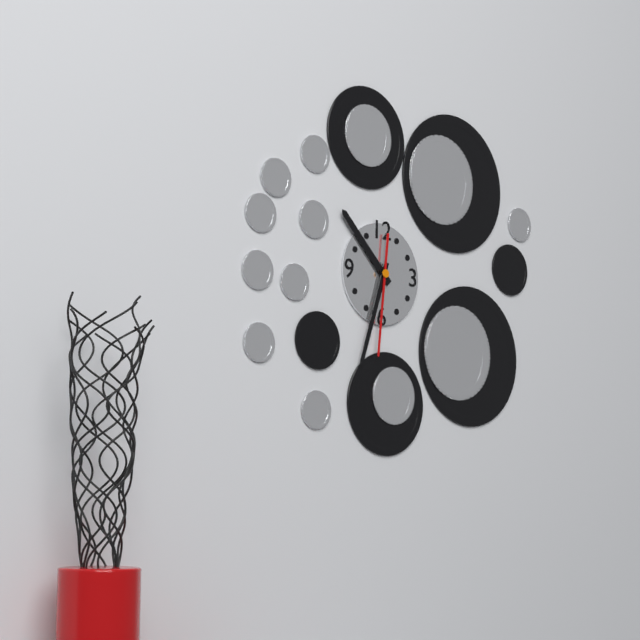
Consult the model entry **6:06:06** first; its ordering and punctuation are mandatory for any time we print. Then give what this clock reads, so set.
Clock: **10:33:31**
